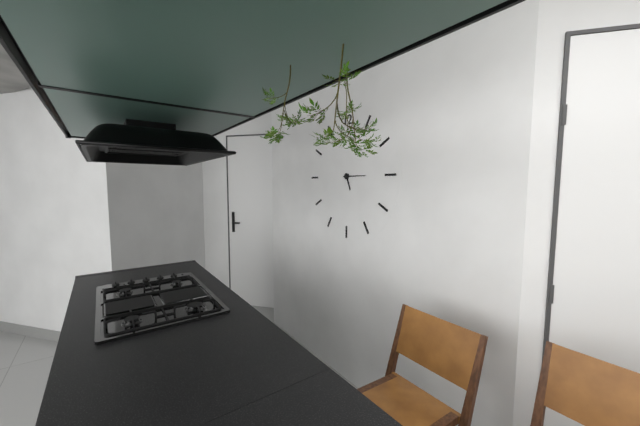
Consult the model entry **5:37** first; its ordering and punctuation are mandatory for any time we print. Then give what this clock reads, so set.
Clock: **5:15**
